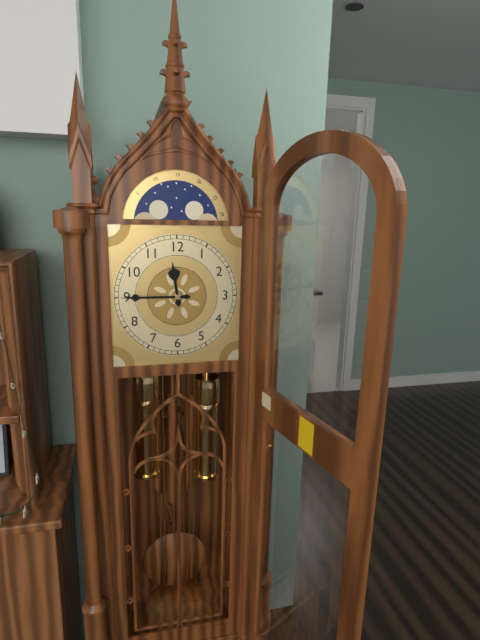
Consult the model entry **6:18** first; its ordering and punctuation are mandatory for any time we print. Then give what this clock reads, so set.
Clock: **11:45**
